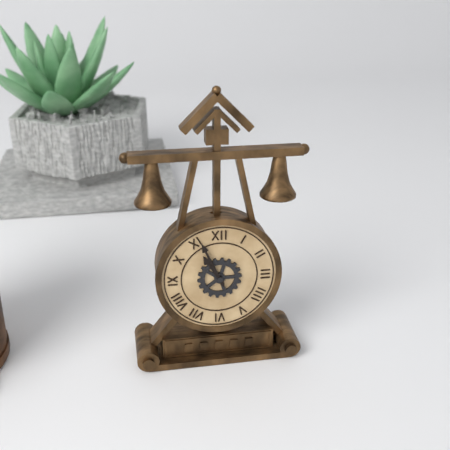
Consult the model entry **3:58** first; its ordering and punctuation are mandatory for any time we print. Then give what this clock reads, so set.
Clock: **10:56**
